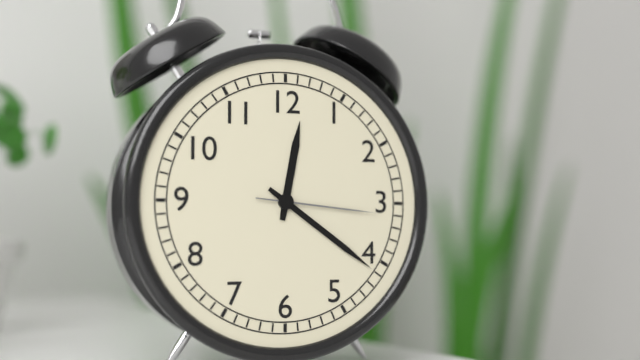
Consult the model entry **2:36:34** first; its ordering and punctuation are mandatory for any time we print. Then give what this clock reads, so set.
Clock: **12:21:16**
